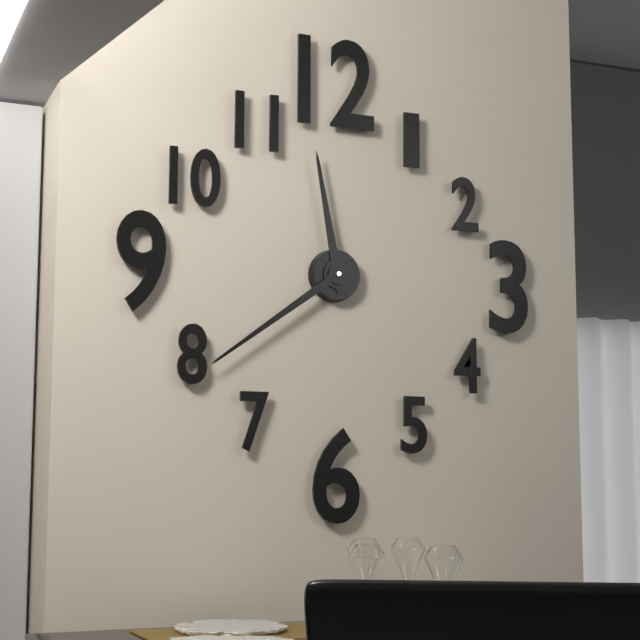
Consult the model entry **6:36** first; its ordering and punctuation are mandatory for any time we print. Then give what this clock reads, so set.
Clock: **11:39**
